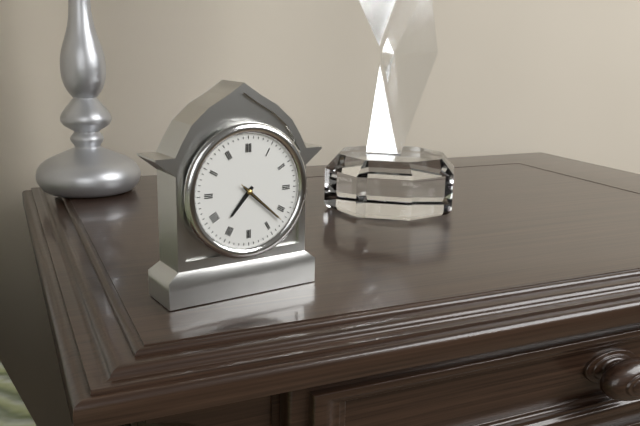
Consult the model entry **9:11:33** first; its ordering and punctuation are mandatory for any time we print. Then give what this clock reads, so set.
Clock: **7:22:22**
